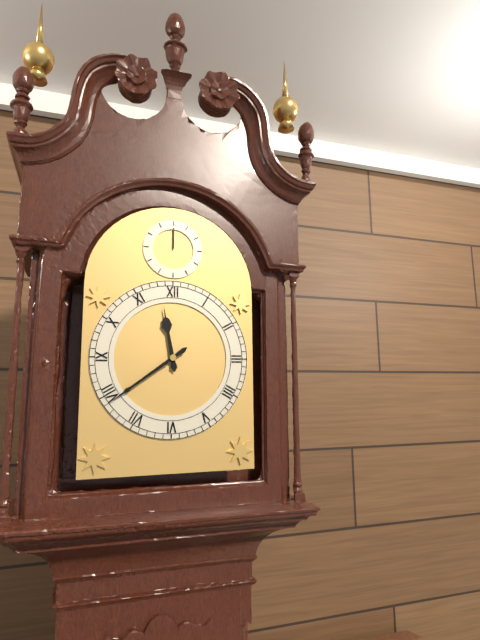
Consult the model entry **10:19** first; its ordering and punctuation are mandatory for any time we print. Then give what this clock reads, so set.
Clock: **11:39**
